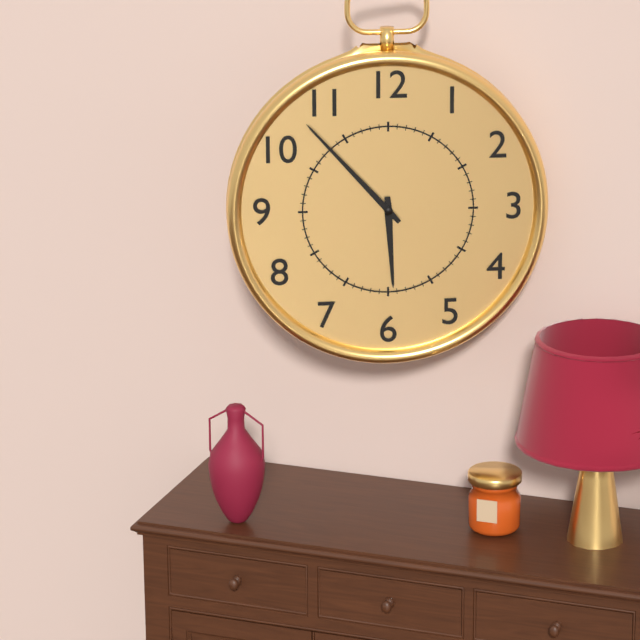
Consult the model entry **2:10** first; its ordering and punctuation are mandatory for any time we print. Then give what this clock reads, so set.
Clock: **5:53**
